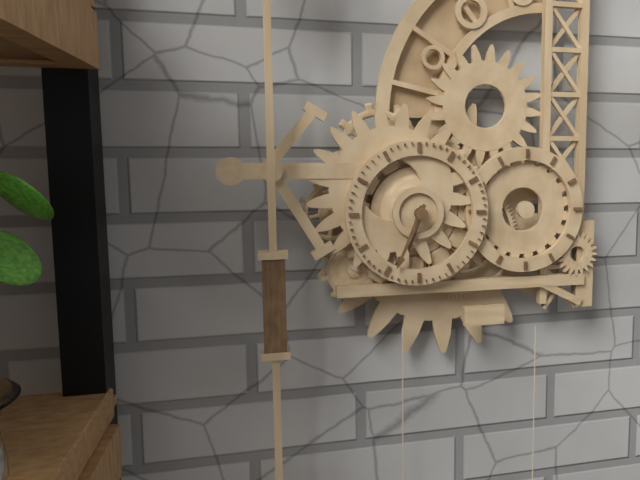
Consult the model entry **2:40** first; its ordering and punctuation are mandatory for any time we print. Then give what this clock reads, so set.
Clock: **6:34**
